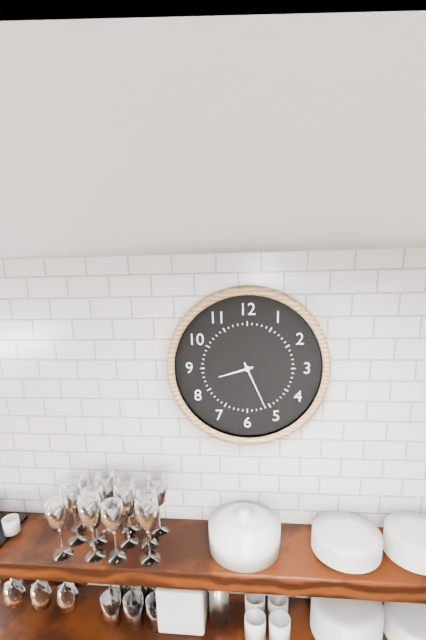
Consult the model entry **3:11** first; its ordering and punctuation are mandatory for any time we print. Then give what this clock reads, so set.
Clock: **8:26**
